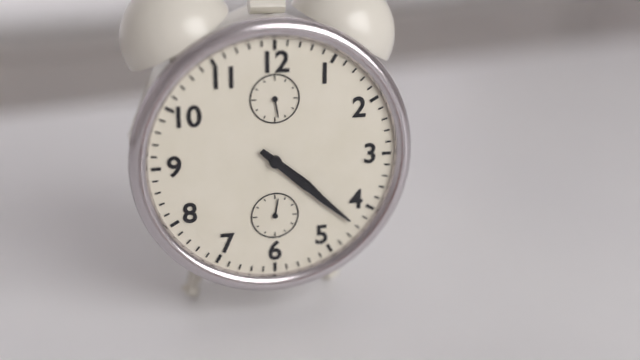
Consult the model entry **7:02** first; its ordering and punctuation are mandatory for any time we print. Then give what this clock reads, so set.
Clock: **4:22**
